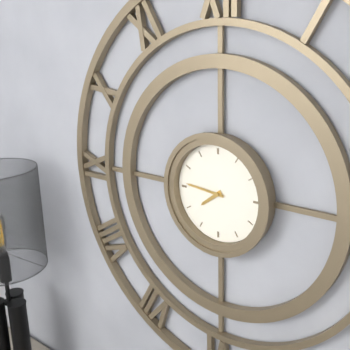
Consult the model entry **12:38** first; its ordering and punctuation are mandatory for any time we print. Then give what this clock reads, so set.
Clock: **7:46**
